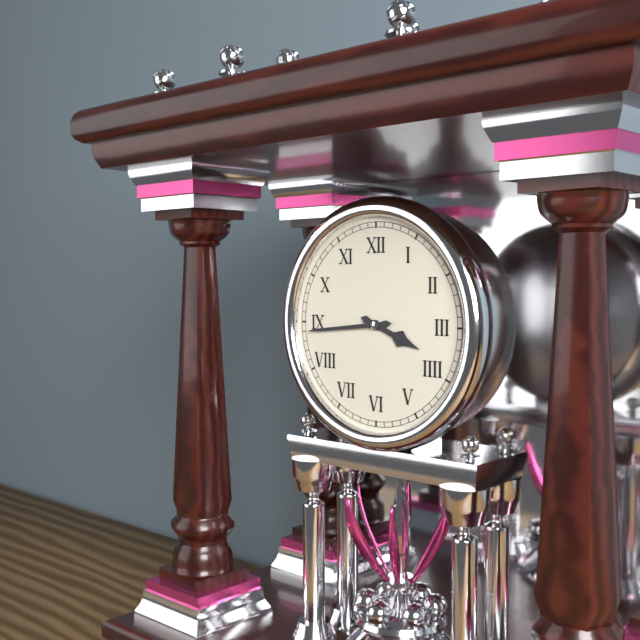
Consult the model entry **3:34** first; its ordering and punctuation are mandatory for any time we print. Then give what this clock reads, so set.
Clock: **3:44**
